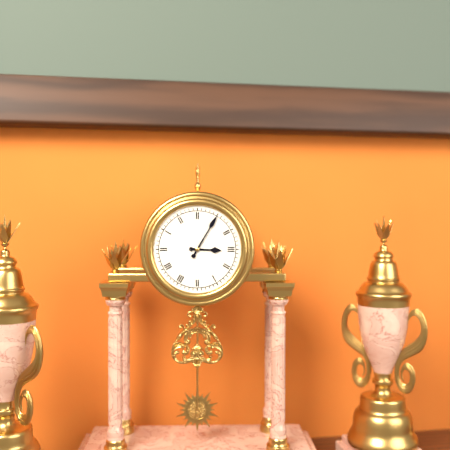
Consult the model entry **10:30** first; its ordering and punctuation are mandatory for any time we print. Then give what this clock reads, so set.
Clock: **3:05**
